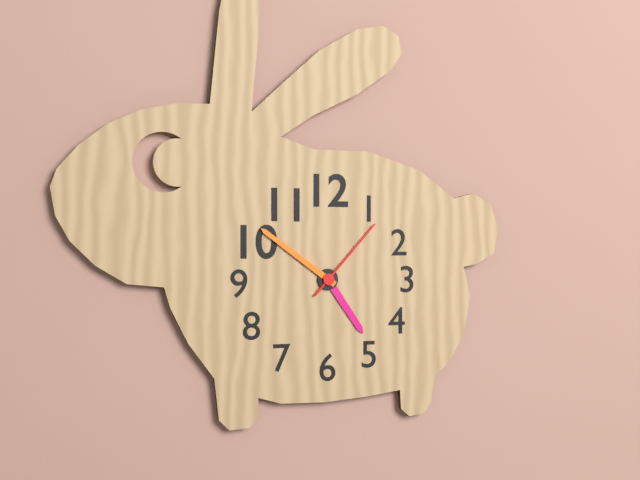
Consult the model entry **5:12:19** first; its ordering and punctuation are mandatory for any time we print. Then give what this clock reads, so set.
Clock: **4:51:07**
